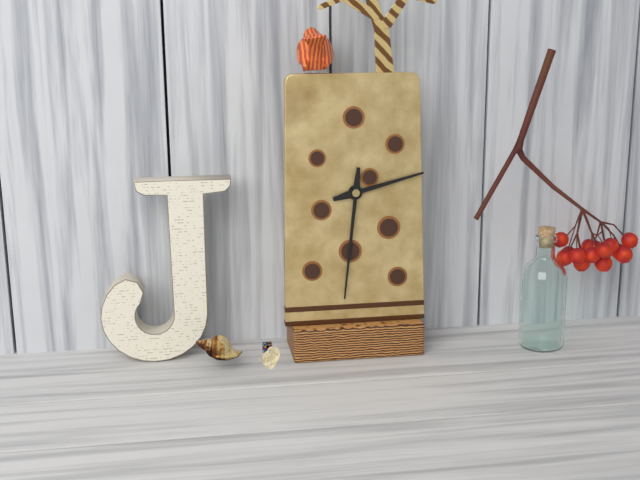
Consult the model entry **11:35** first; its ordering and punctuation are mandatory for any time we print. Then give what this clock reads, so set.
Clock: **2:31**
